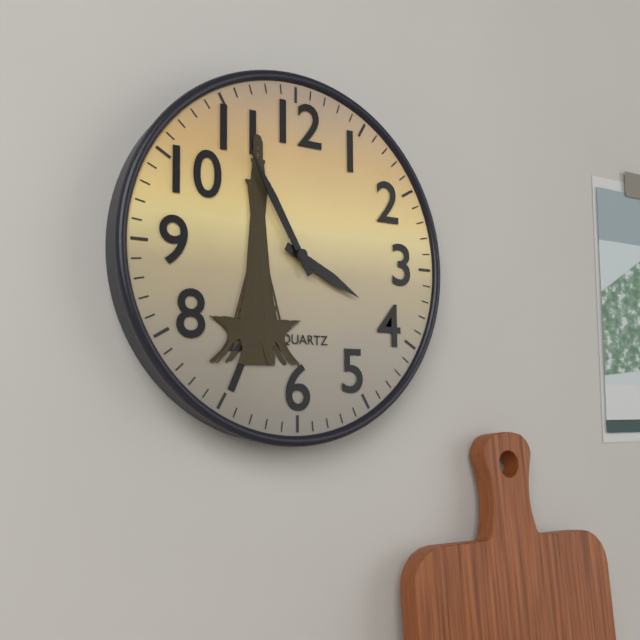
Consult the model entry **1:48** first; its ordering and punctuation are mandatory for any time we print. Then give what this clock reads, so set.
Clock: **3:55**
